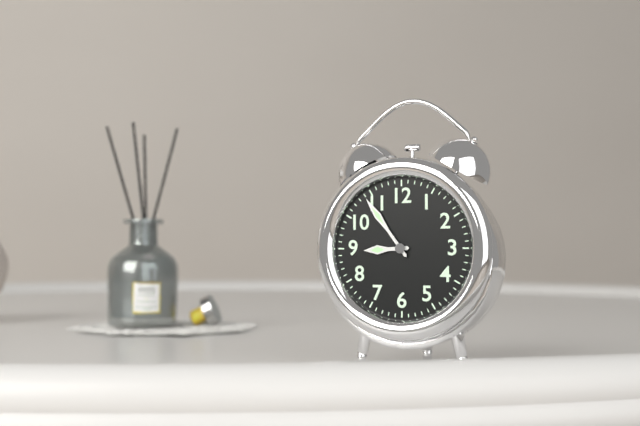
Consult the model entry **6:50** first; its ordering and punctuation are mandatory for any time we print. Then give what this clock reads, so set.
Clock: **8:54**
